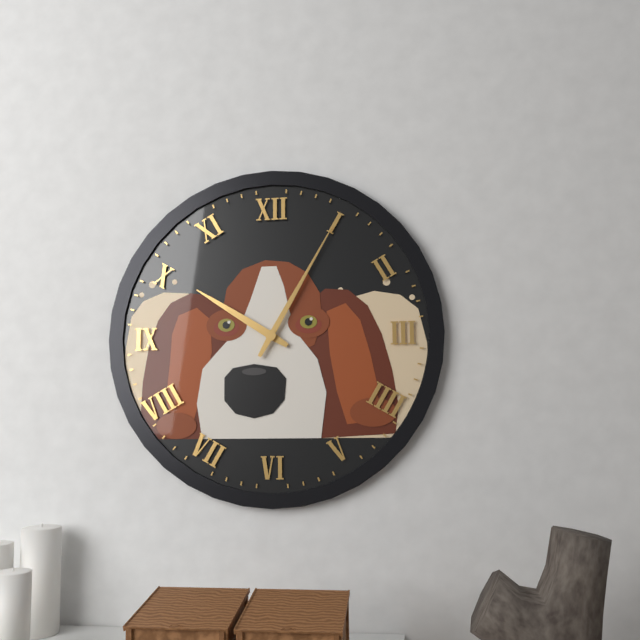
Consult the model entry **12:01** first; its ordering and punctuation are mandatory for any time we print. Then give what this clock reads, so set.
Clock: **10:05**
